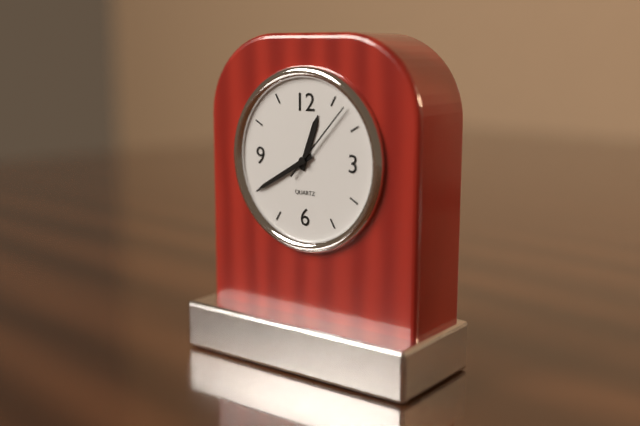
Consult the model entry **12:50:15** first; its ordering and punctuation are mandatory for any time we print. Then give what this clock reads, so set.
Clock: **12:40:07**
